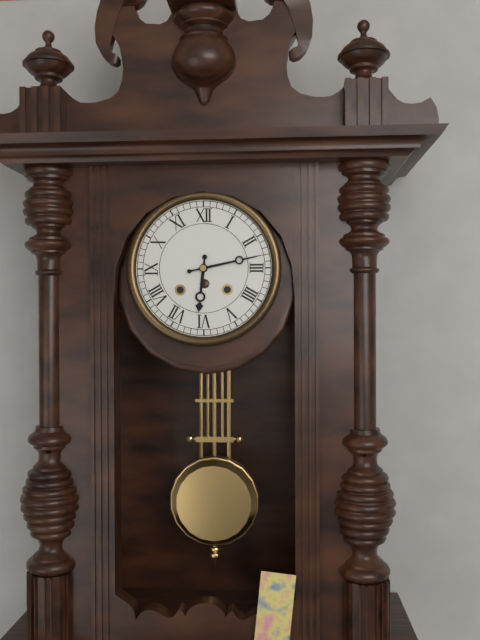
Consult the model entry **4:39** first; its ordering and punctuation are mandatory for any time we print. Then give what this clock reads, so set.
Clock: **6:13**
